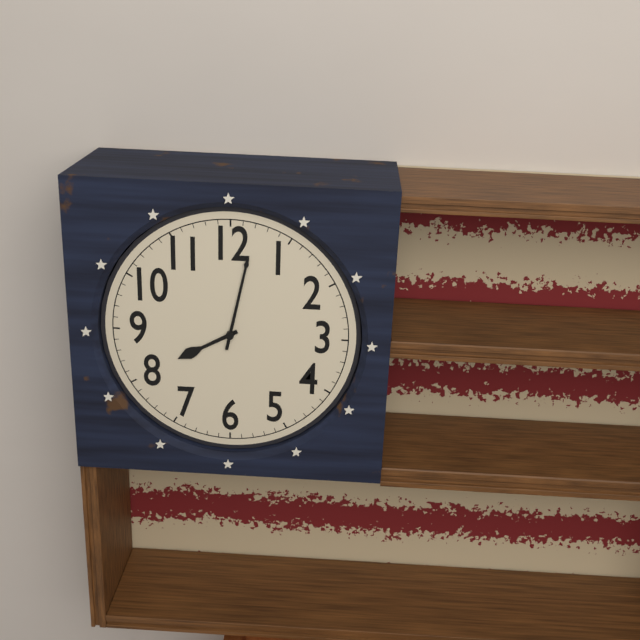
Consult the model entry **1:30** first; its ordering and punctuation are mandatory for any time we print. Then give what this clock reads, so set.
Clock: **8:02**
